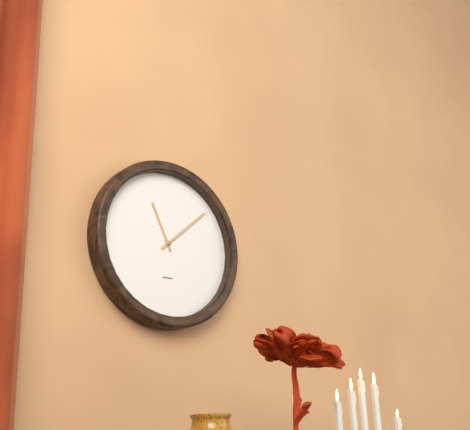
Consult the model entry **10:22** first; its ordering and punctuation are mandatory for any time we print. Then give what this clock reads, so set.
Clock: **11:08**
